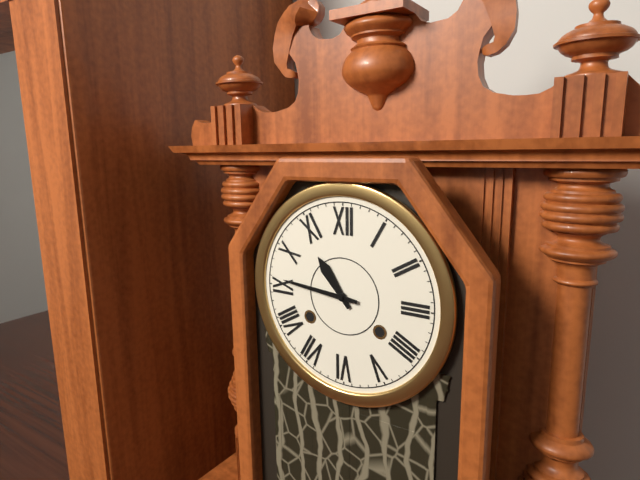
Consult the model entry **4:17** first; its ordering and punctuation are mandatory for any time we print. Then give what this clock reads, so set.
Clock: **10:46**
